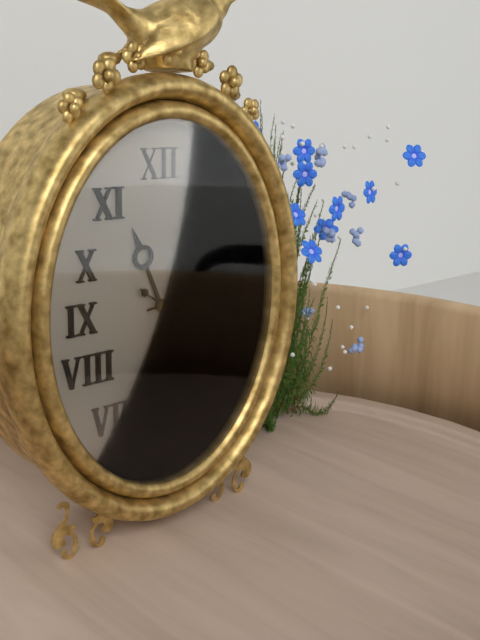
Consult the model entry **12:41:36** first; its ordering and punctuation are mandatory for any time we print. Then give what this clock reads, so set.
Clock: **11:14:21**
